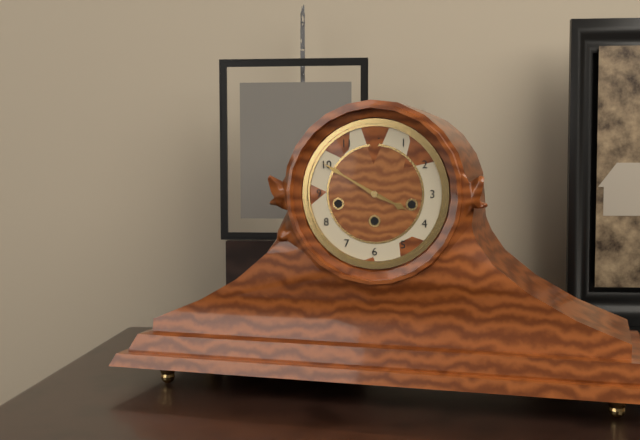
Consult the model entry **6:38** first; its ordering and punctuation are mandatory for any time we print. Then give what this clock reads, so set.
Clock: **3:50**
